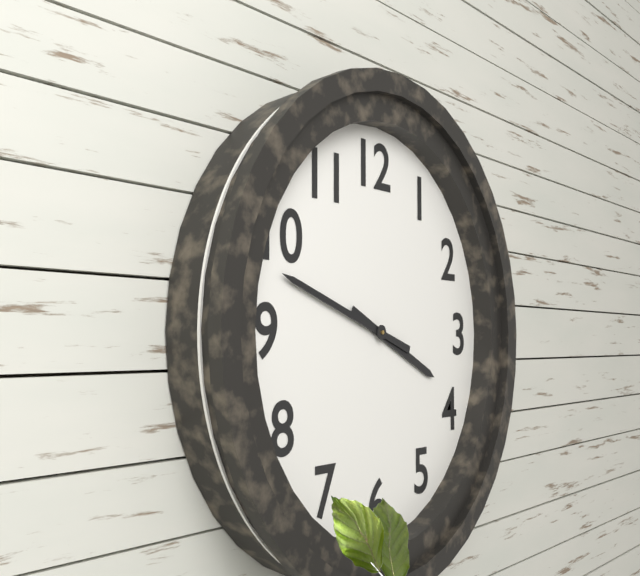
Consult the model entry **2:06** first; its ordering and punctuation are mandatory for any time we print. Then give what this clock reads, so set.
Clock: **3:48**
